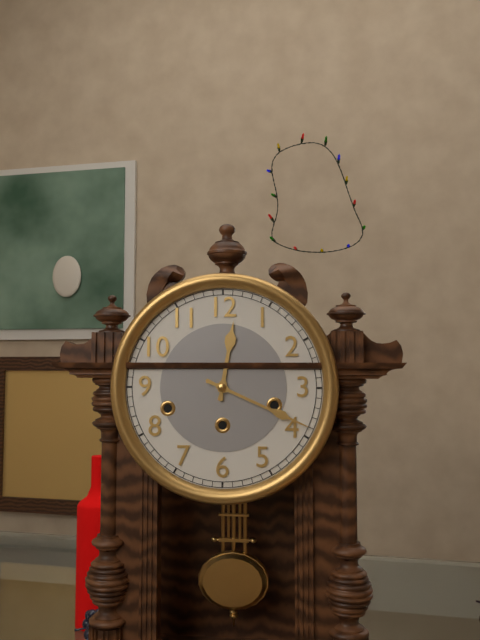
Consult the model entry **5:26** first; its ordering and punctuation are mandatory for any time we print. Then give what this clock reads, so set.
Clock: **12:19**
